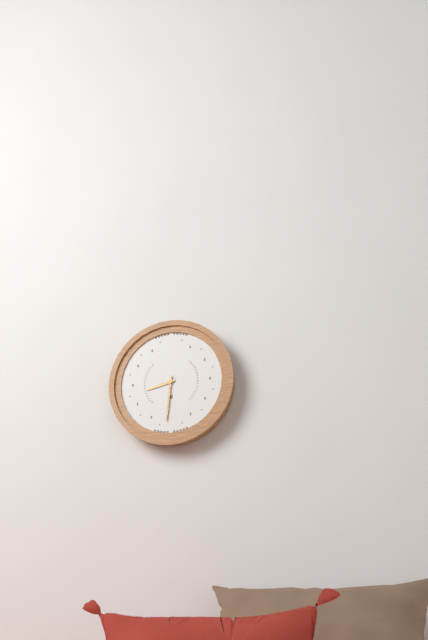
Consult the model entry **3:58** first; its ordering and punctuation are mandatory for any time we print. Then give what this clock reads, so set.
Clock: **8:31**
